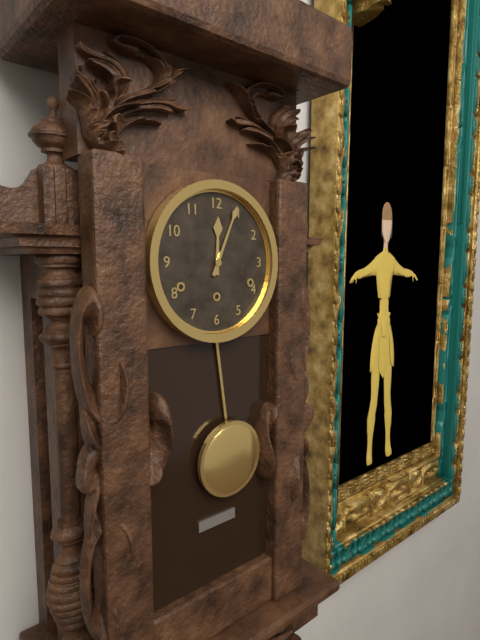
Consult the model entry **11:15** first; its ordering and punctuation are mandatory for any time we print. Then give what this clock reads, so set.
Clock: **12:04**
